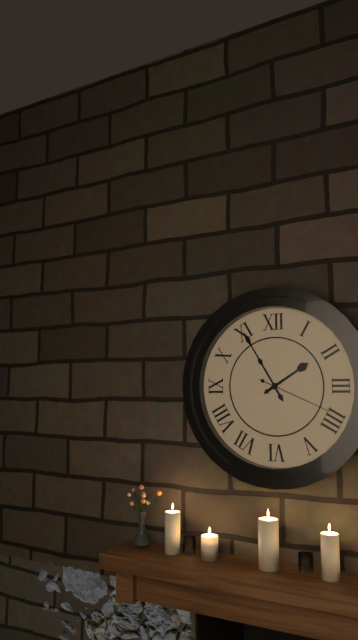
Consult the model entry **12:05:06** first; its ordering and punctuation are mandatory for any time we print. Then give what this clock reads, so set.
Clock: **1:55:19**
